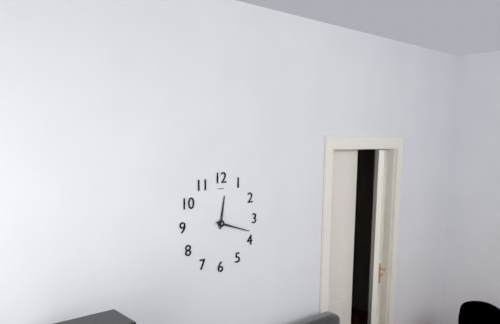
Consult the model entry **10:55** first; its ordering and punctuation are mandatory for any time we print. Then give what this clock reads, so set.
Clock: **12:18**
